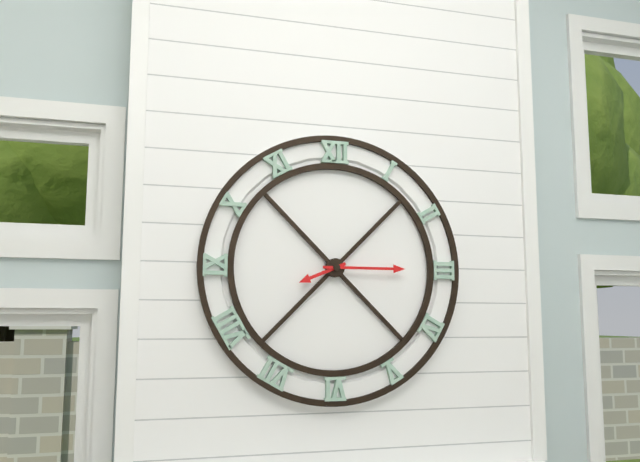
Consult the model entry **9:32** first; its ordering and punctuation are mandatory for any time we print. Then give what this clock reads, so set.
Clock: **8:15**
